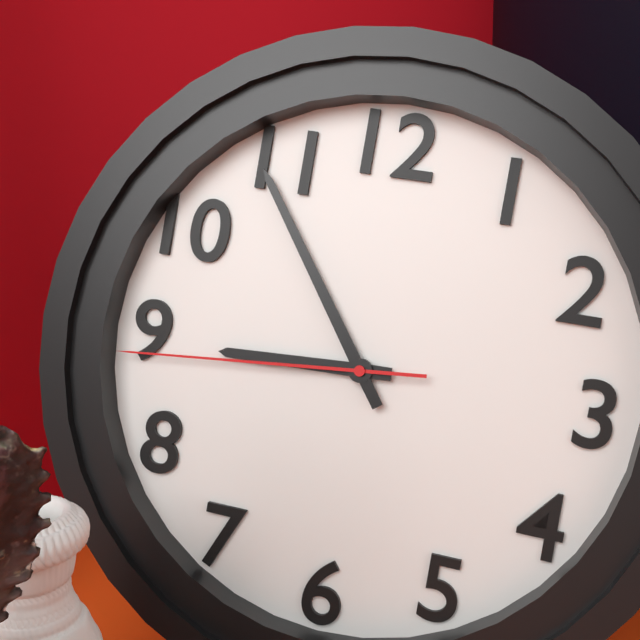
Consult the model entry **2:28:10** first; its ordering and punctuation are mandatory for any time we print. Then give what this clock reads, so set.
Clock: **8:54:44**
